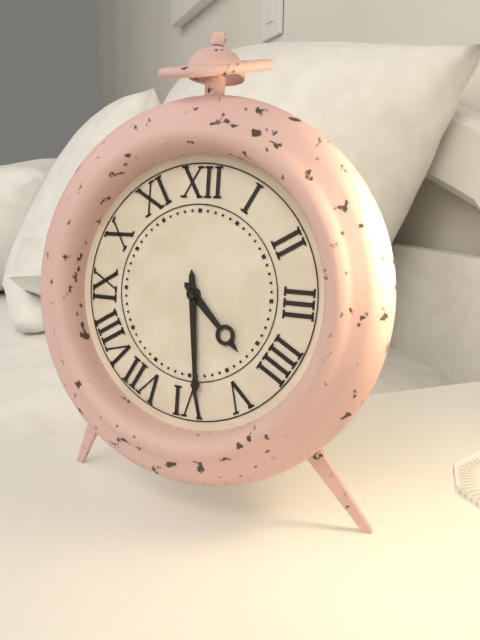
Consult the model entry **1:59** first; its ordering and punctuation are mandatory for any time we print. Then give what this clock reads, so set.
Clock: **4:29**
